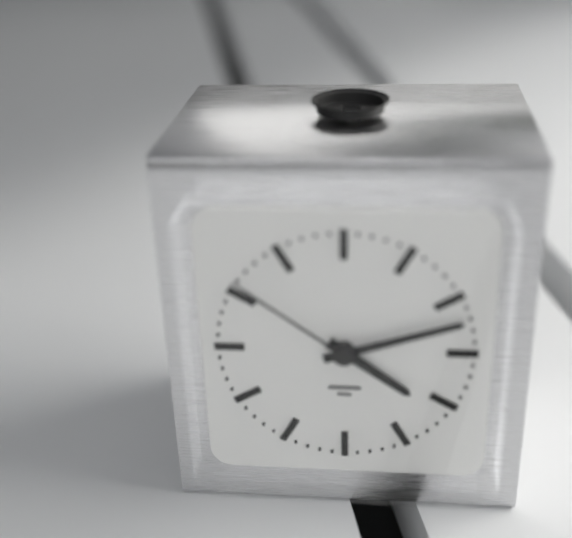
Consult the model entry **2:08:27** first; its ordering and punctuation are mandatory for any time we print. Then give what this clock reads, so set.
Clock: **4:12:51**
